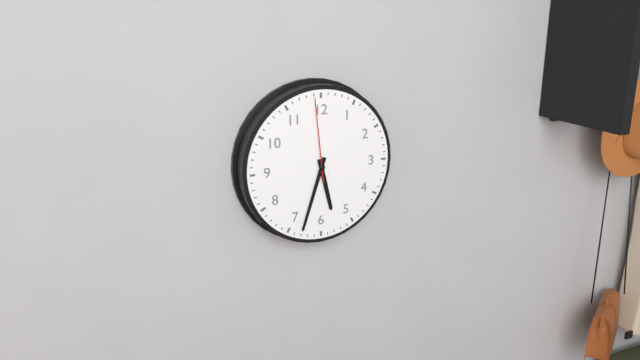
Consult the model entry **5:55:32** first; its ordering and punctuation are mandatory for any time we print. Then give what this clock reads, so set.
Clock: **5:33:59**
